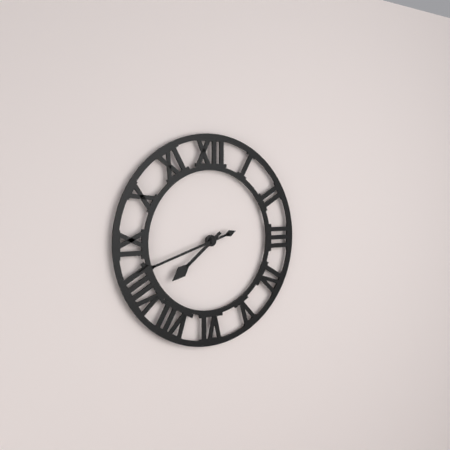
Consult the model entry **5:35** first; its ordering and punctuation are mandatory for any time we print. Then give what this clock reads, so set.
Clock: **7:42**
